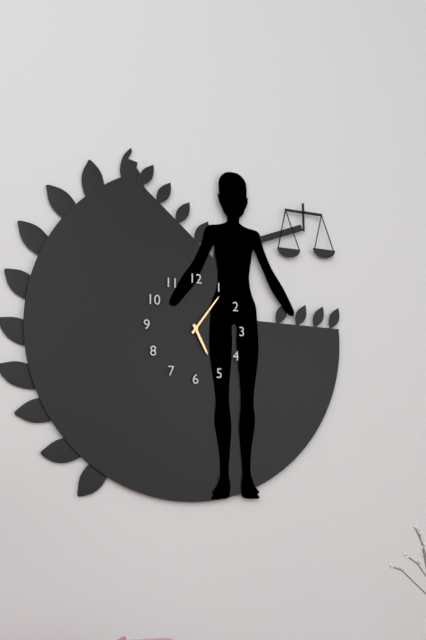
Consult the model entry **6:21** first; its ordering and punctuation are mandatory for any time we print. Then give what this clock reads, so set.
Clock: **5:06**
